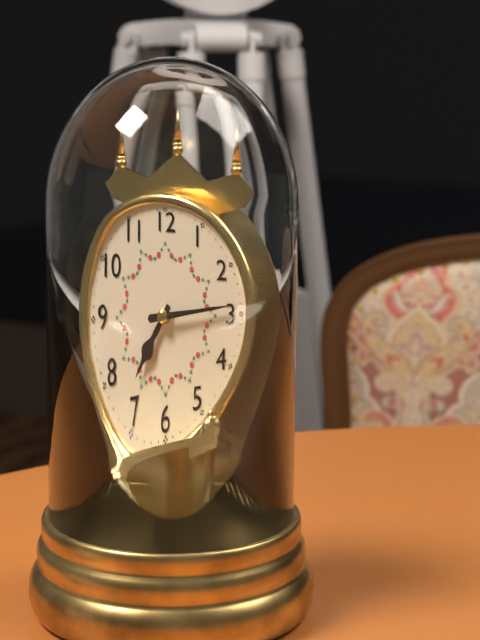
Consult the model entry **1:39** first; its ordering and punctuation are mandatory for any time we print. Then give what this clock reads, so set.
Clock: **7:14**
